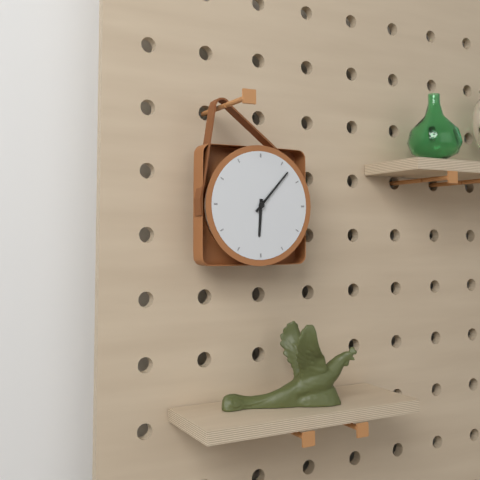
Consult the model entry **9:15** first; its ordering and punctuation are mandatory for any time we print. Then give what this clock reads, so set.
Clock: **6:07**
